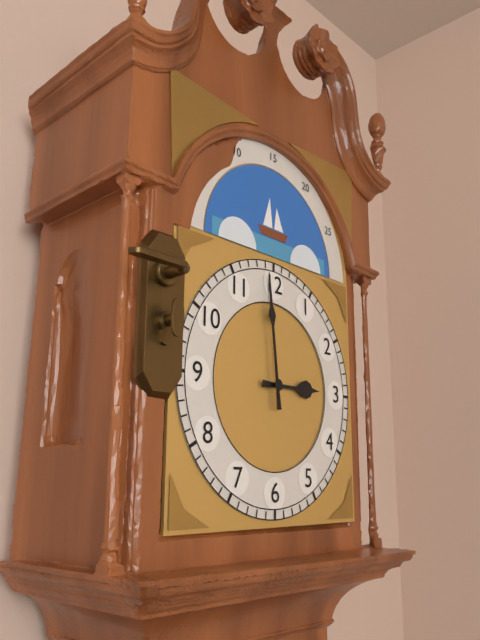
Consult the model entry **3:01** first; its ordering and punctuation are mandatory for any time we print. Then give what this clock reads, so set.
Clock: **2:59**
